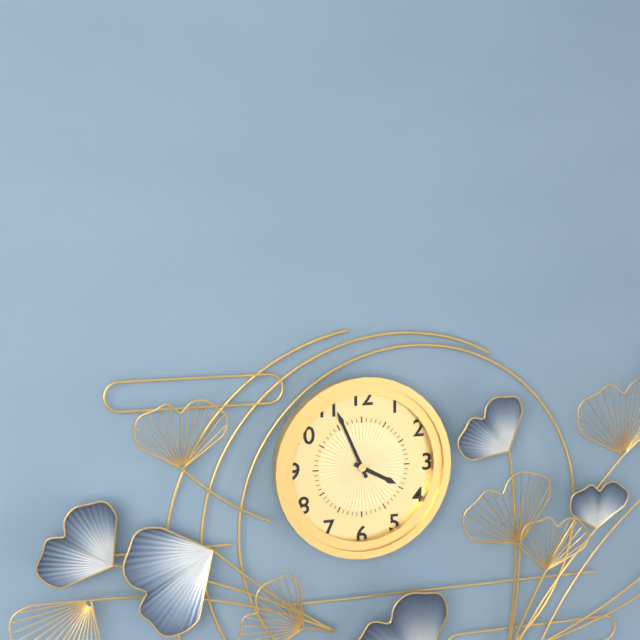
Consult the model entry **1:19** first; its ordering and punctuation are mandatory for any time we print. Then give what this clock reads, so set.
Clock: **3:56**
